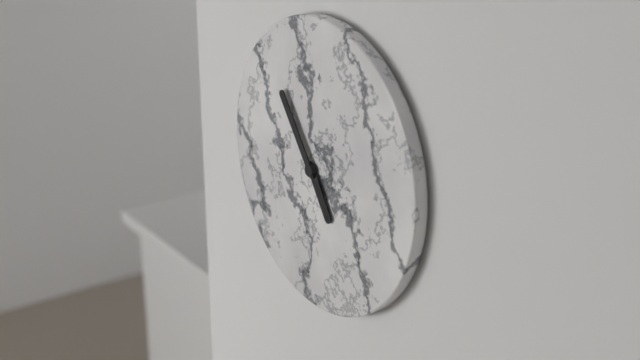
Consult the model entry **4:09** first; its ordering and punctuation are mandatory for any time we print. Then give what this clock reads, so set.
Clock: **4:54**
